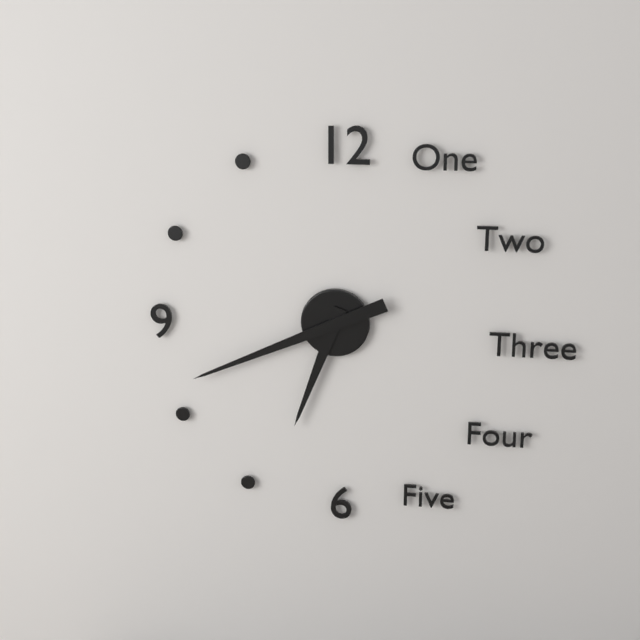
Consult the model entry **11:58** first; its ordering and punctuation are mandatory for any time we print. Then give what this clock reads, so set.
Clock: **6:41**
